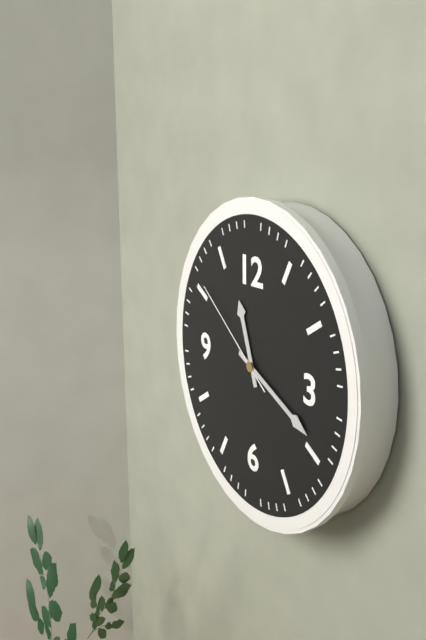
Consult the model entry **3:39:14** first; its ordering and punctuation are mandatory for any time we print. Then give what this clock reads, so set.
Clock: **11:19:51**
